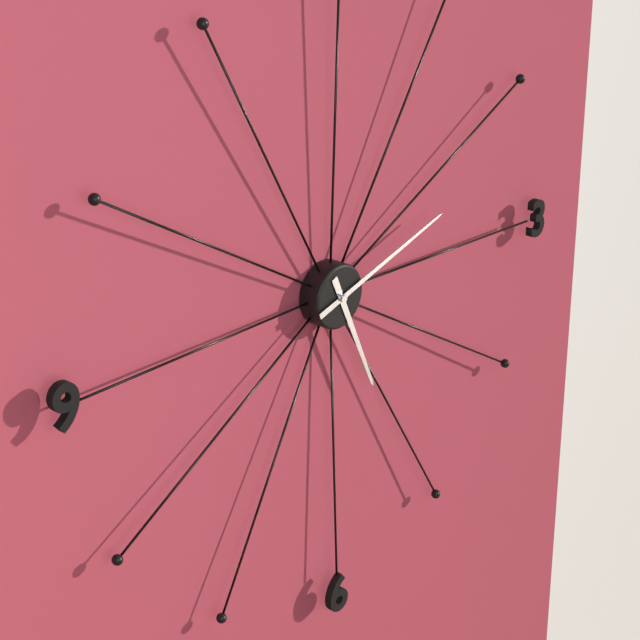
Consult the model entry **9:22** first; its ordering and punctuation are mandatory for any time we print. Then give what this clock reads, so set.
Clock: **5:12**
